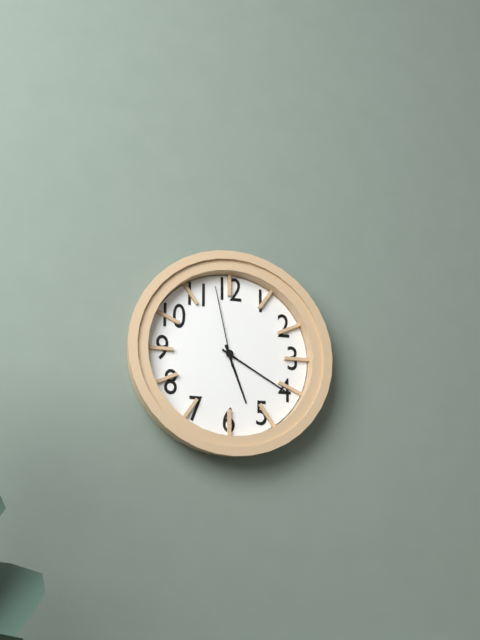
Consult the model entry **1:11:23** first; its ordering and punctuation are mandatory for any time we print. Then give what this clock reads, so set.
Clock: **5:20:58**
